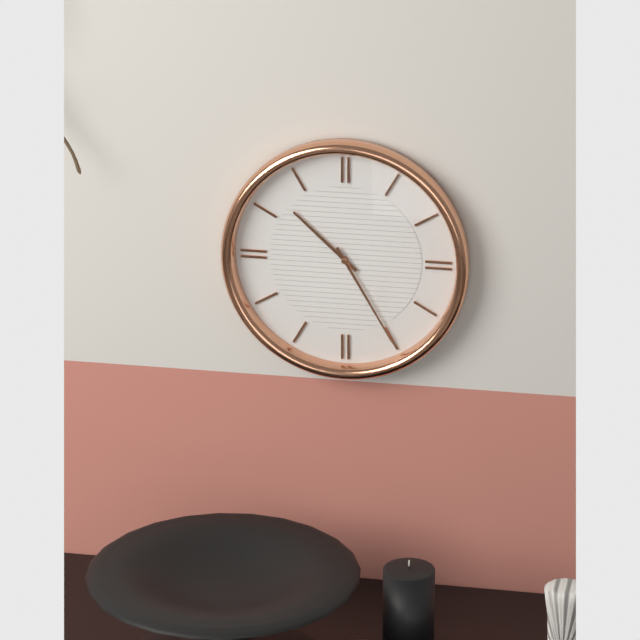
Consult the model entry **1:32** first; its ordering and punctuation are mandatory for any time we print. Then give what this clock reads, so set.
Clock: **10:25**
